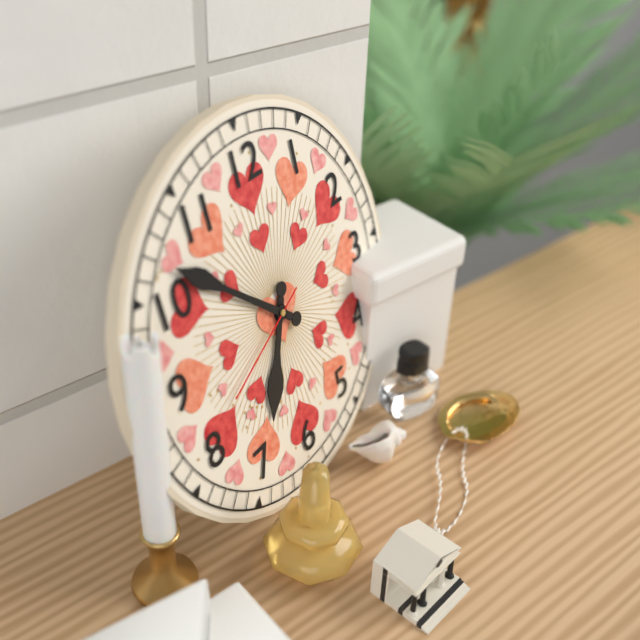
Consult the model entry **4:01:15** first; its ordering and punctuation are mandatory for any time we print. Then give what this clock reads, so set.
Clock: **6:52:41**
